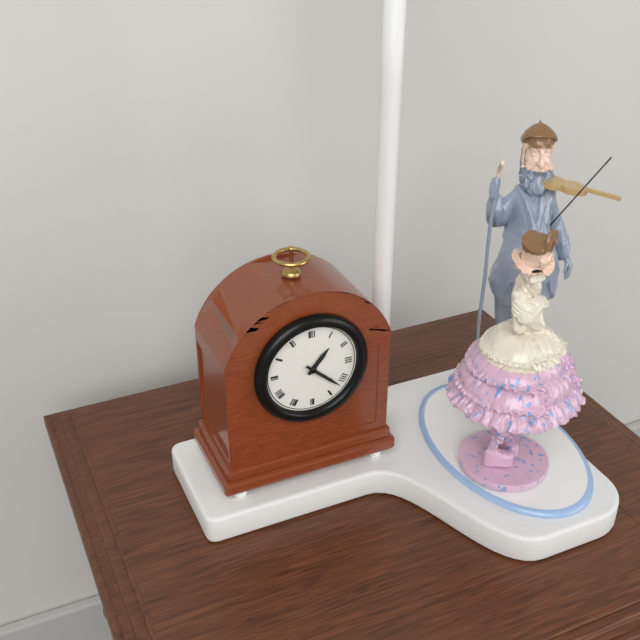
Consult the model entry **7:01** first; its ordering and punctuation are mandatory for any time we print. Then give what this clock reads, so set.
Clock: **1:22**
